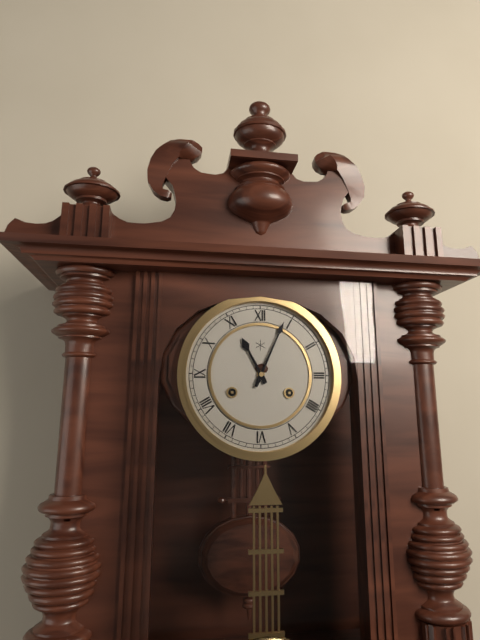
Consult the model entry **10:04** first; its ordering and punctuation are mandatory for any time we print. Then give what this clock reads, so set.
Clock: **11:04**
